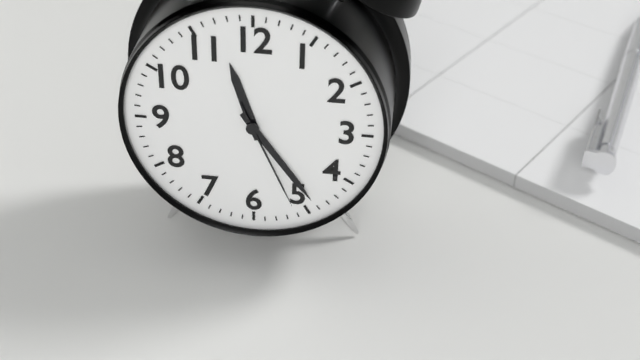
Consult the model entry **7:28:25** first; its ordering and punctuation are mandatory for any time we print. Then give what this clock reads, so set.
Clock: **11:24:26**
